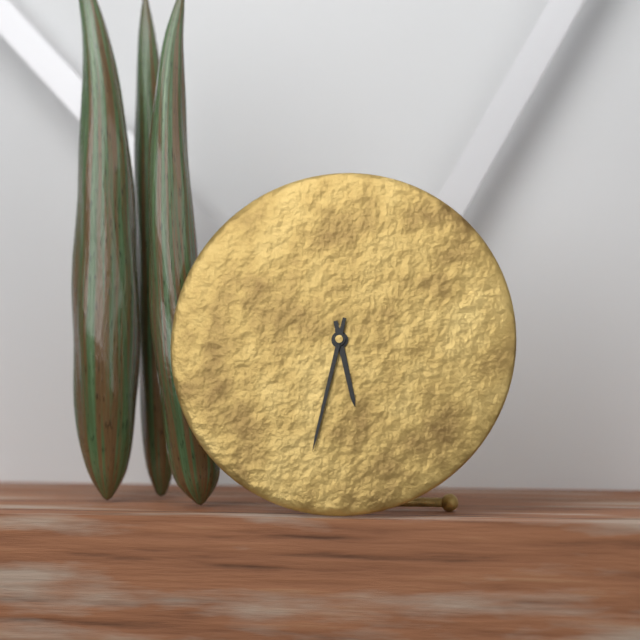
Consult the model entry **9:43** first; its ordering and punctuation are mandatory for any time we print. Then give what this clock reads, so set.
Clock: **5:32**
